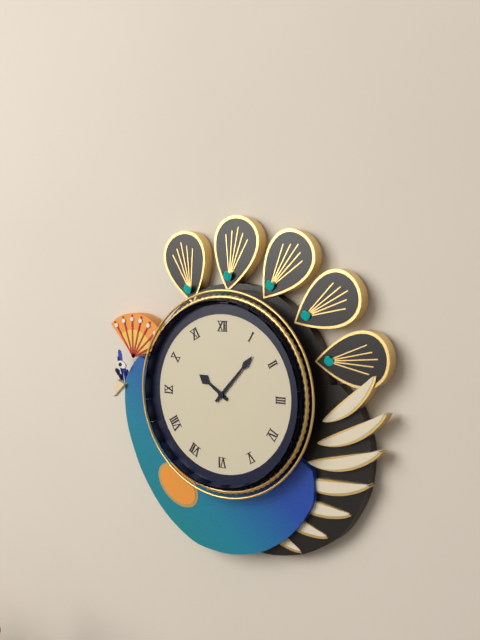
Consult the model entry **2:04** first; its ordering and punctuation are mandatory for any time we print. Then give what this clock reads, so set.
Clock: **10:07**
